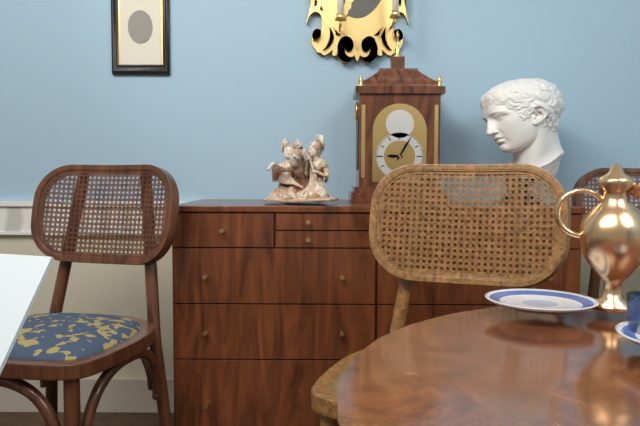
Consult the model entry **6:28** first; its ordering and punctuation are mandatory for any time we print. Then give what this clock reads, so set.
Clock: **9:05**
